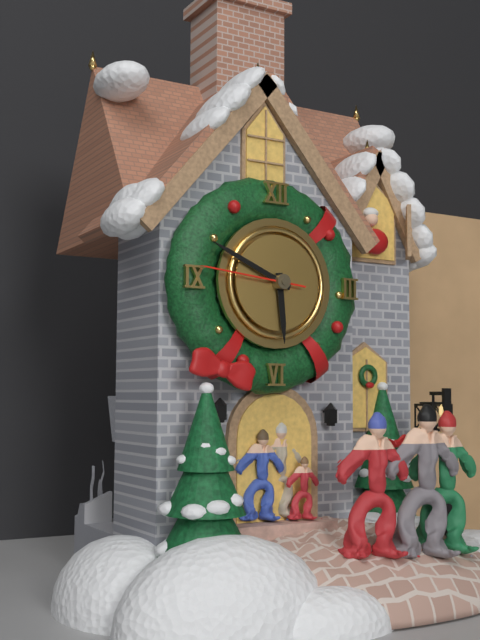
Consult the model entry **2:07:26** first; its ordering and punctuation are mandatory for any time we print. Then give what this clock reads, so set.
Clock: **5:49:46**
